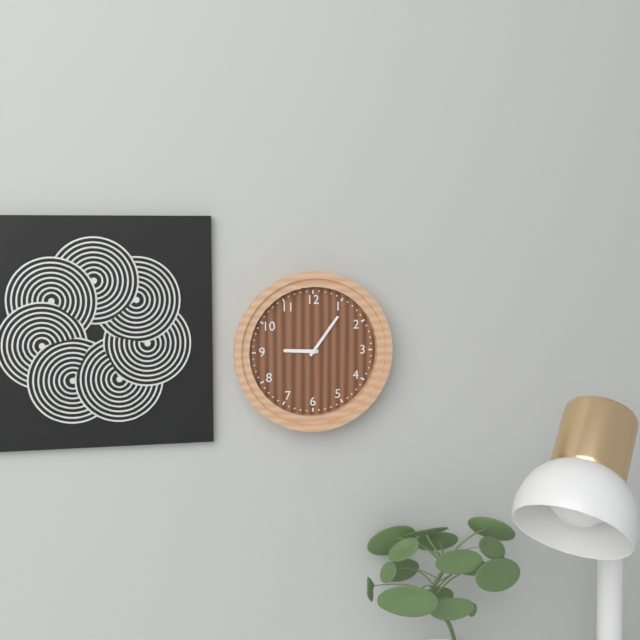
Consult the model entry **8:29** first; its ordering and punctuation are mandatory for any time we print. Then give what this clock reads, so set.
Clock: **9:06**
